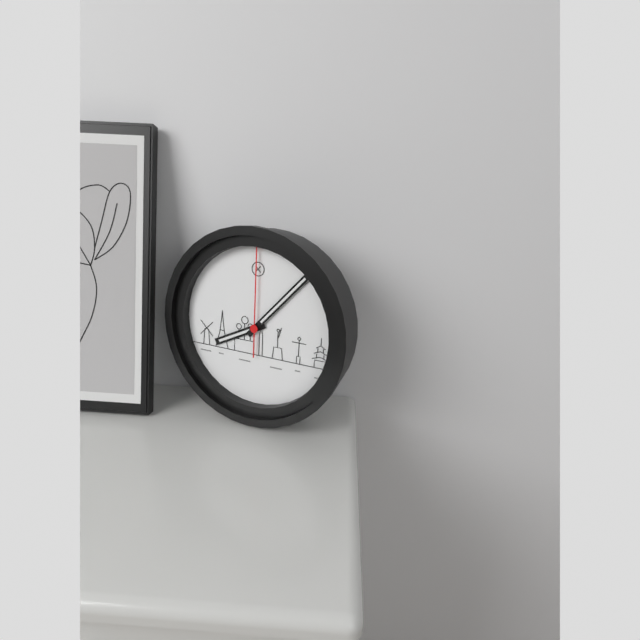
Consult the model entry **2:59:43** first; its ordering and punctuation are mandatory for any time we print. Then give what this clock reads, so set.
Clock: **8:07:00**
